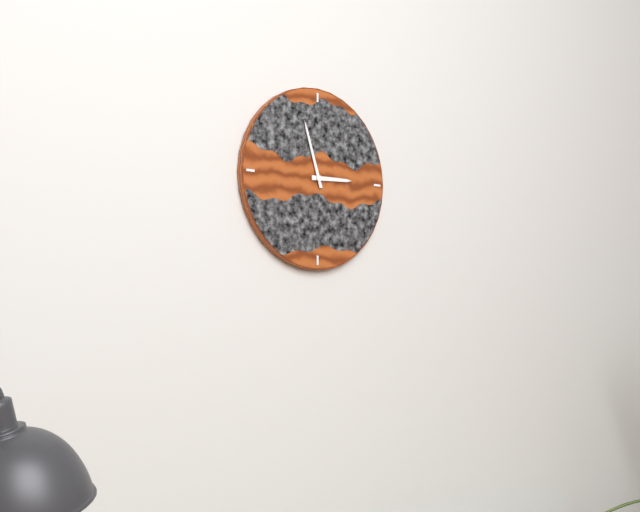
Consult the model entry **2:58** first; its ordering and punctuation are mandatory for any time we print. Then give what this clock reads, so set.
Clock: **2:57**
